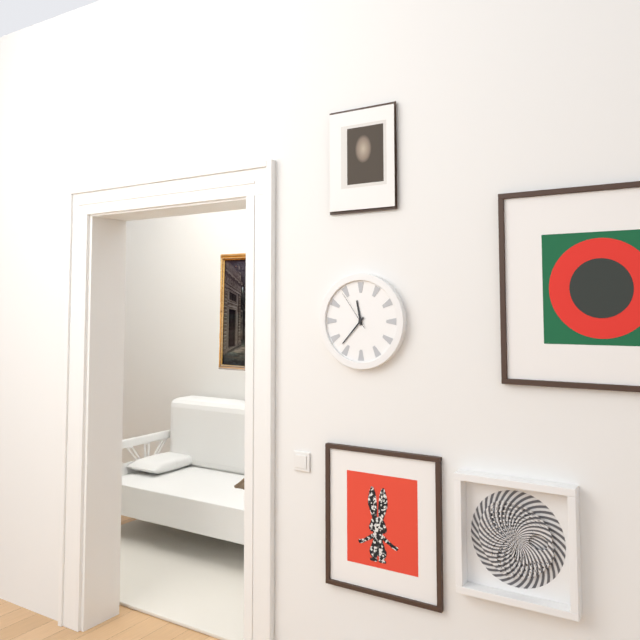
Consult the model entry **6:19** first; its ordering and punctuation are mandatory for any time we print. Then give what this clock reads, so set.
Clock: **11:37**
